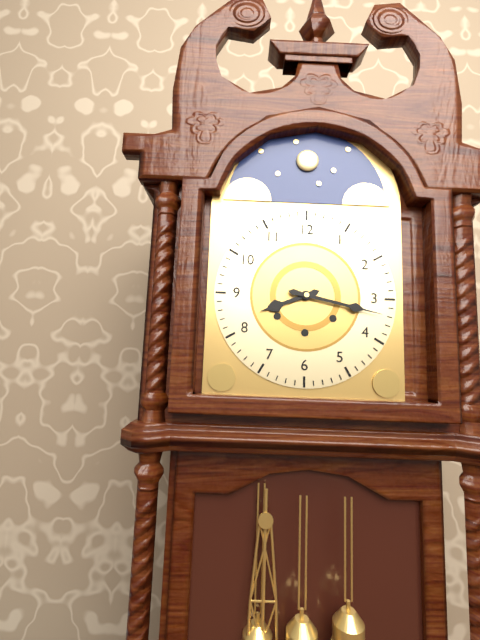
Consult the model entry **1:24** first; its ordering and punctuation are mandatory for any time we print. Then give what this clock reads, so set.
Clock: **8:17**
